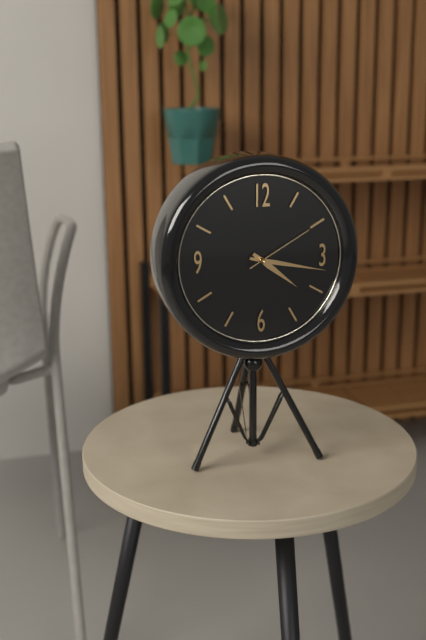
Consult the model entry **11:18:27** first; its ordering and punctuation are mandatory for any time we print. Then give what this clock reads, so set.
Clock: **4:17:10**
